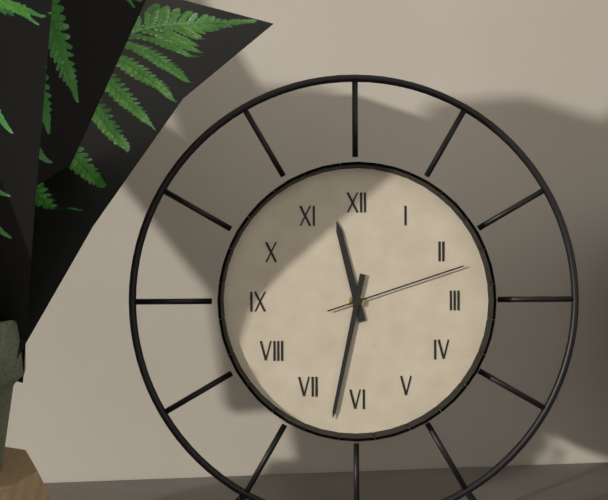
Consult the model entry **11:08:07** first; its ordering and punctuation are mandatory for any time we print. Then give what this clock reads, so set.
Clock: **11:32:12**
